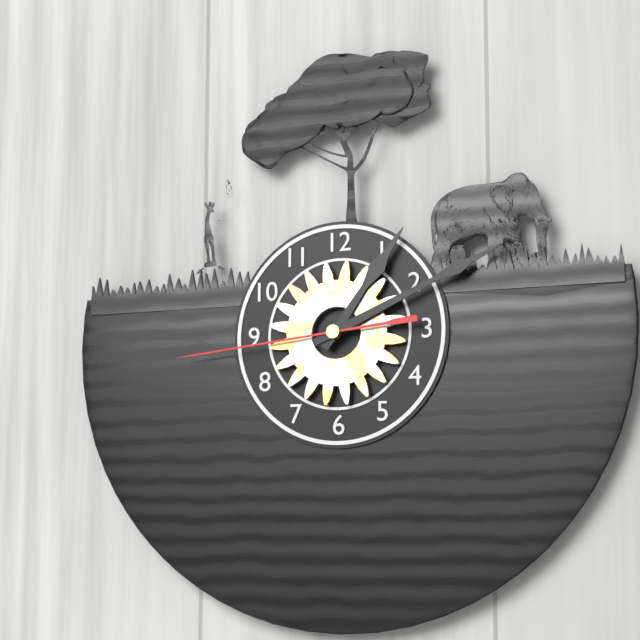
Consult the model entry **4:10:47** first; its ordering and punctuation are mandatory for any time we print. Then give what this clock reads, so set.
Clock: **1:11:44**
